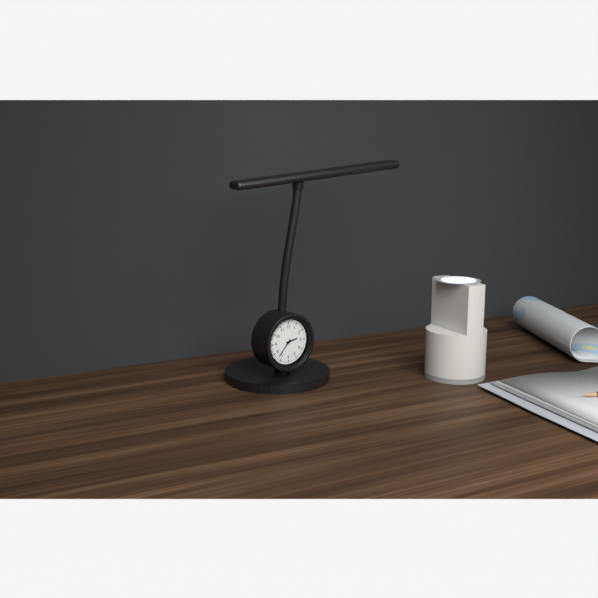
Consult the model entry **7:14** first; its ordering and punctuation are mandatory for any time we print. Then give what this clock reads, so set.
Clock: **2:37**
